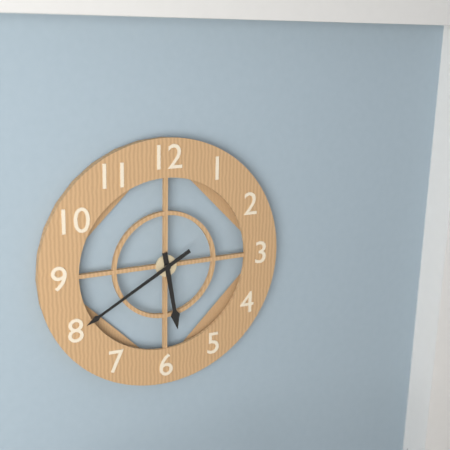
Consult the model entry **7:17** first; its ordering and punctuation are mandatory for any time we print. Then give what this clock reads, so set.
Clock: **5:40**
